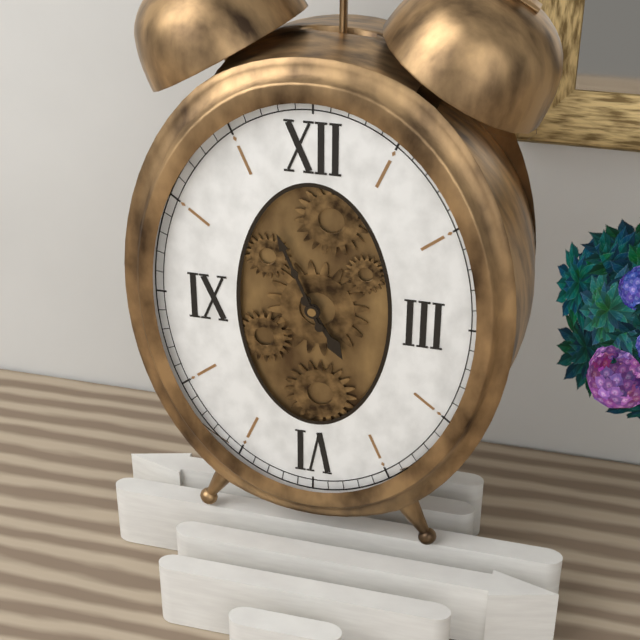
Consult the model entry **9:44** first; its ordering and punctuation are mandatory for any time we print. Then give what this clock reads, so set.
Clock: **4:56**
